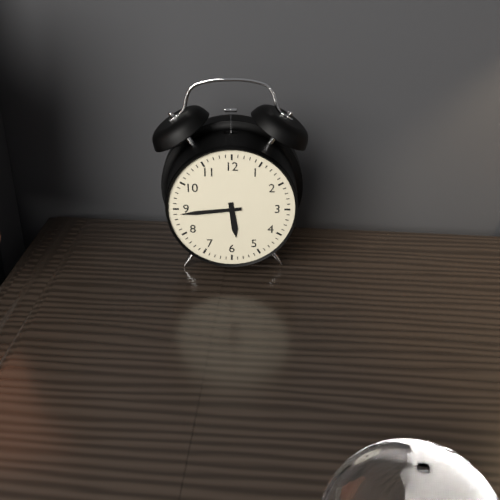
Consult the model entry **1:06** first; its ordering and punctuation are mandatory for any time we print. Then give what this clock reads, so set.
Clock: **5:44**
